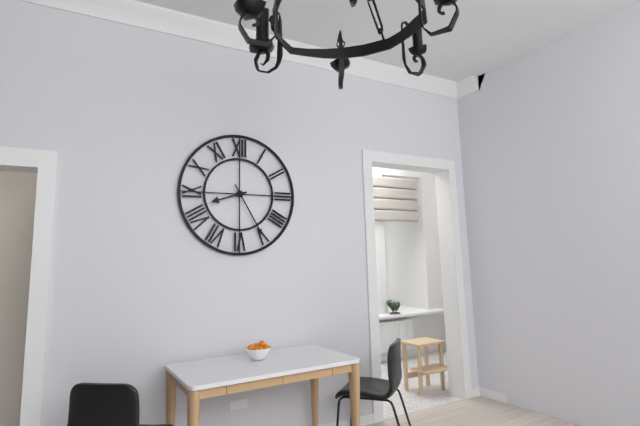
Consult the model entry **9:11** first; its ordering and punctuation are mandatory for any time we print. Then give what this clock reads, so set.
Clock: **8:25**
